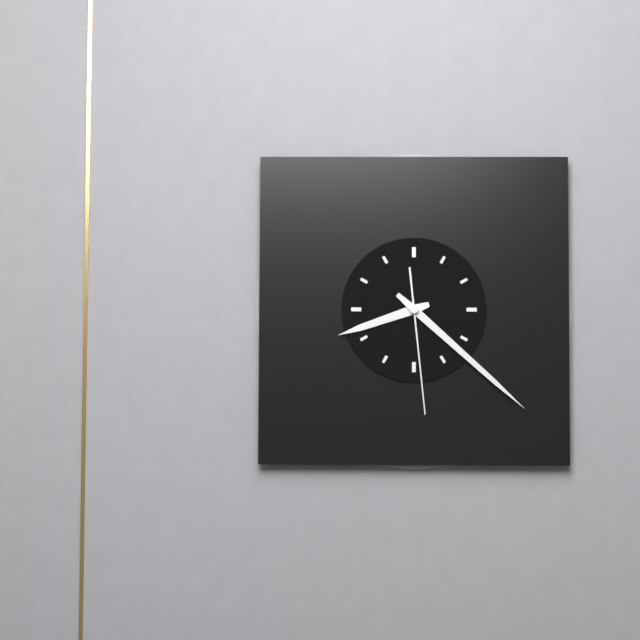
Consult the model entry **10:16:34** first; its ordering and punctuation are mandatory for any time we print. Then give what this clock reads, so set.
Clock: **8:22:29**
